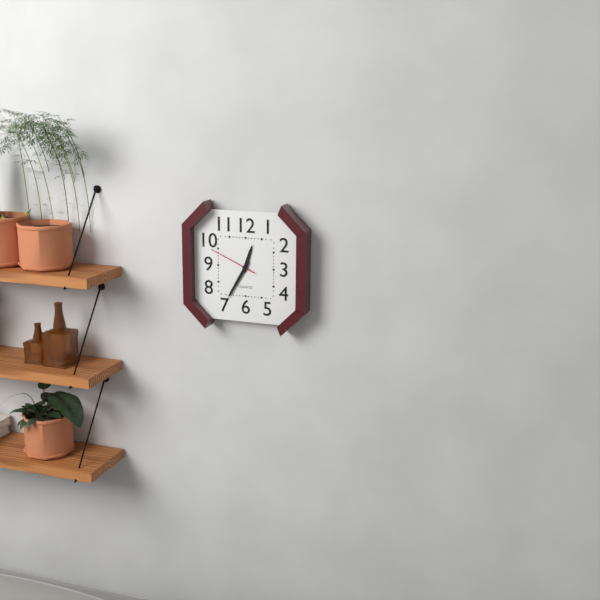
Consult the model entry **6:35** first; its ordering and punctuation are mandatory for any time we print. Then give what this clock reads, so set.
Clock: **12:35**
